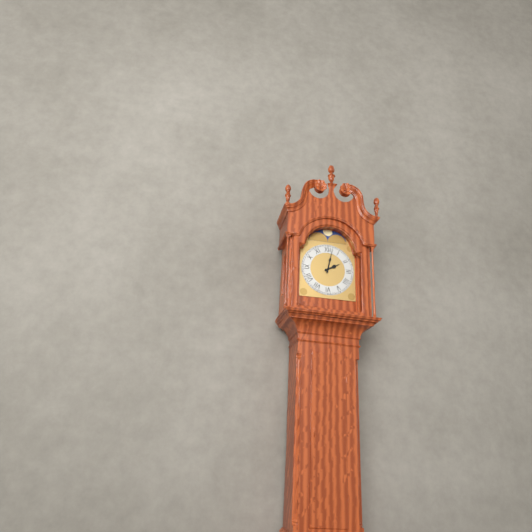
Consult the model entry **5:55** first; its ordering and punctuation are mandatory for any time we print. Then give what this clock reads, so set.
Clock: **2:02**
